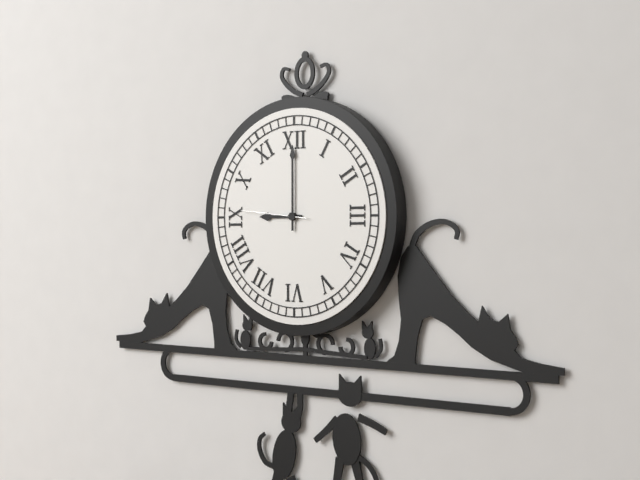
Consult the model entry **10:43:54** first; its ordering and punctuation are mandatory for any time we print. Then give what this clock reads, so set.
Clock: **9:00:46**
